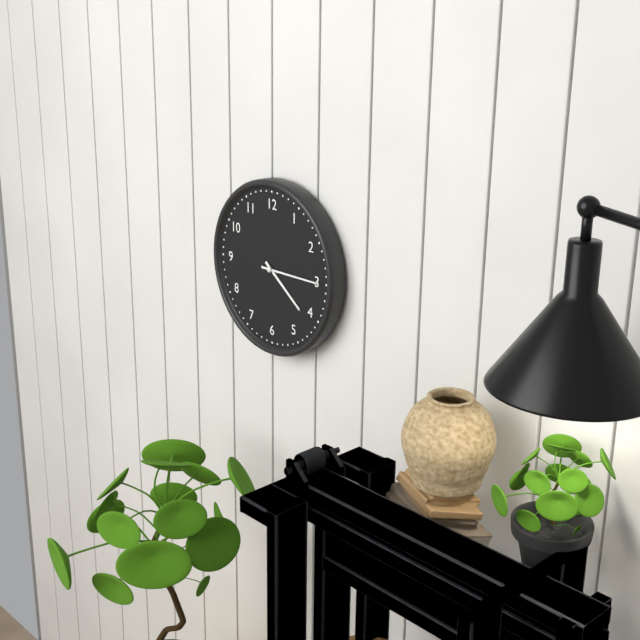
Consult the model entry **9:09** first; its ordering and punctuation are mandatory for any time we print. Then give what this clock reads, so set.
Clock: **4:15**
